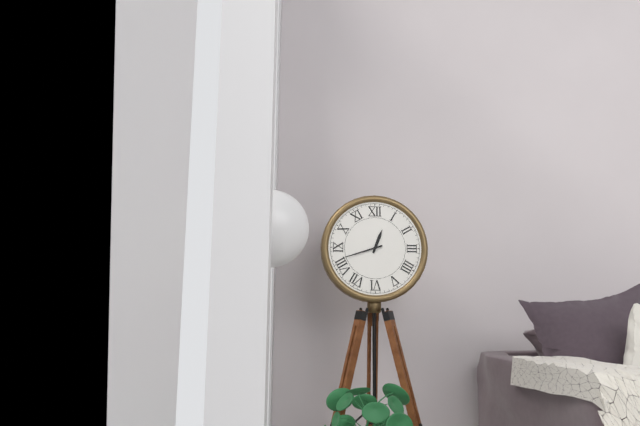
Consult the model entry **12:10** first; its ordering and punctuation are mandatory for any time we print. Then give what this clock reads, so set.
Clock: **12:42**
